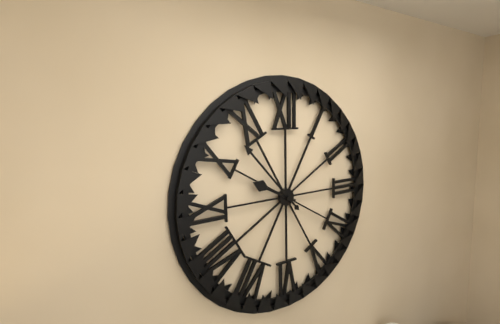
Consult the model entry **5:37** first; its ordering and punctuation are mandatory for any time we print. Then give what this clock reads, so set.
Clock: **9:53**
